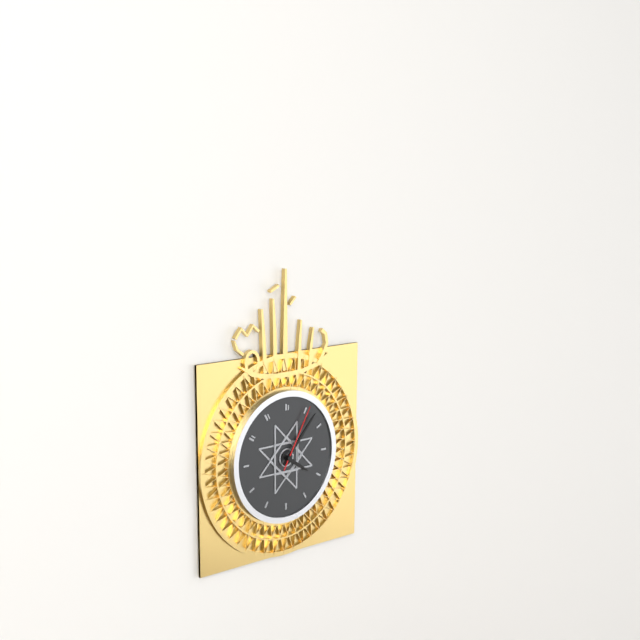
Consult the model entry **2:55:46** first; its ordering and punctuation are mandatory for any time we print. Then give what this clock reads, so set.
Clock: **4:07:05**
